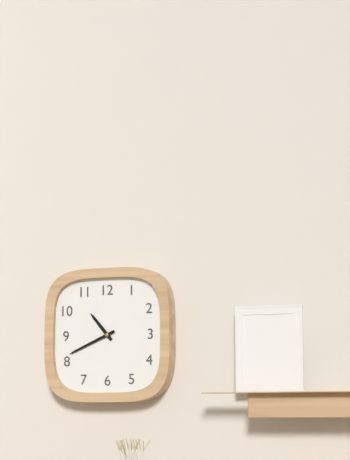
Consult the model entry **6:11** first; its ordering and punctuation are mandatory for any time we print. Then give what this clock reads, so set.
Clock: **10:41**
